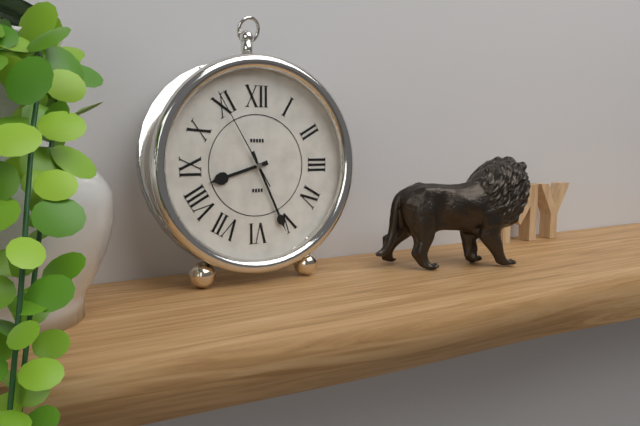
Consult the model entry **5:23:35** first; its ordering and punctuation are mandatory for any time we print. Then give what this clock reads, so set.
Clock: **8:26:55**
